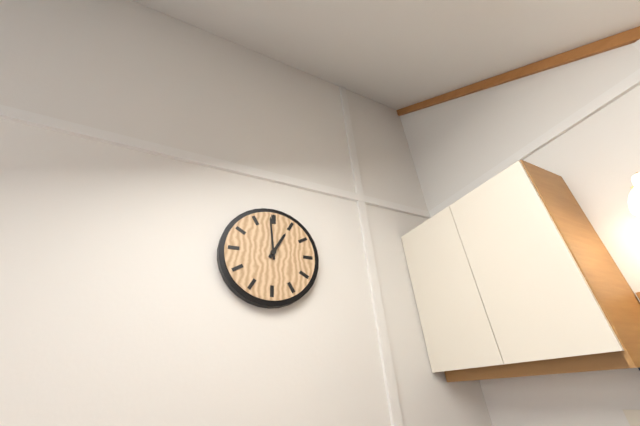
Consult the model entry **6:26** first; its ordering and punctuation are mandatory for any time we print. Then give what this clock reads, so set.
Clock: **12:59**
